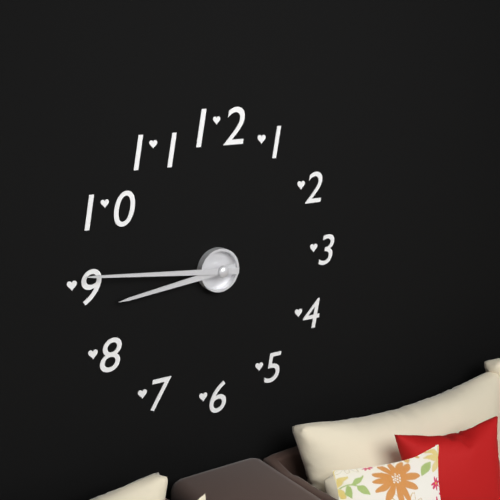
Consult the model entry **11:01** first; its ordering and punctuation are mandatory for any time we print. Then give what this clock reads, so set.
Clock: **8:46**
